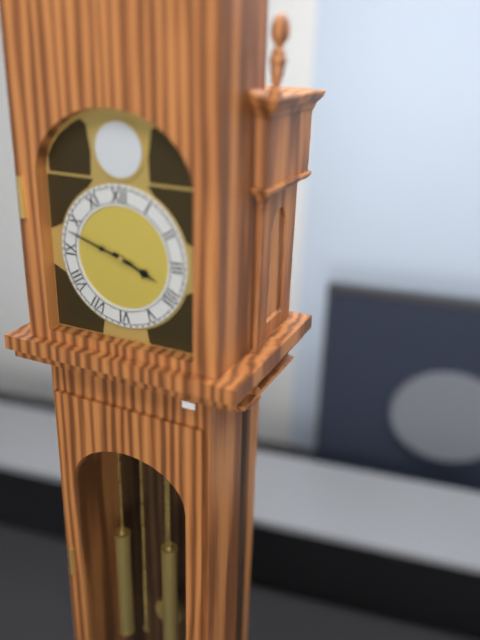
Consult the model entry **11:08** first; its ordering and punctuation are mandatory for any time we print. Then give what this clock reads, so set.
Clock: **3:48**
